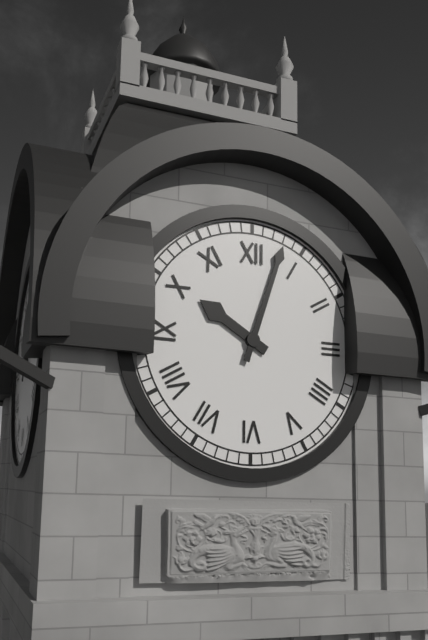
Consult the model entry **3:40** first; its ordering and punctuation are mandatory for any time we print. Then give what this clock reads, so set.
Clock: **10:03**
